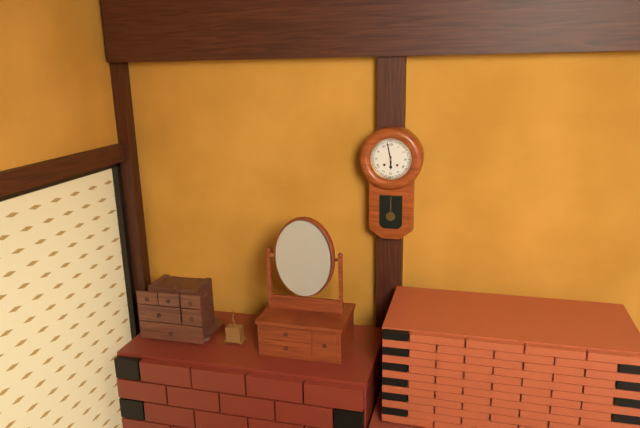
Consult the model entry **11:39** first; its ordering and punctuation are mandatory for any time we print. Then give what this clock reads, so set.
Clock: **5:58**
